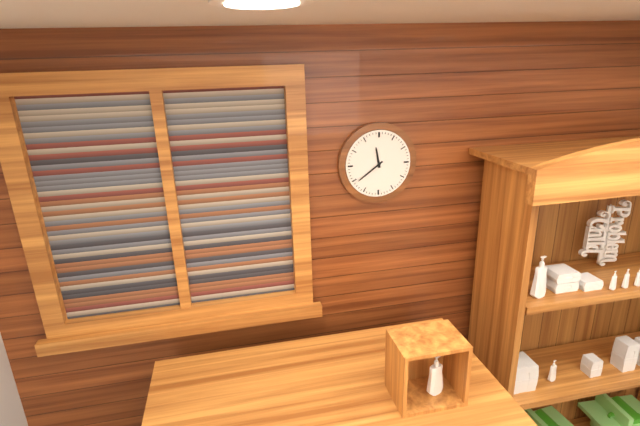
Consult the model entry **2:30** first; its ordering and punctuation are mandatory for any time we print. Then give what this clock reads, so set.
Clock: **11:39**
